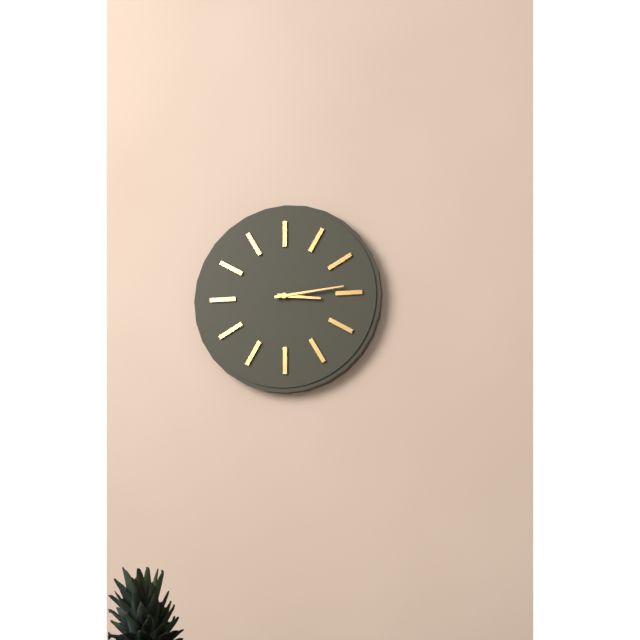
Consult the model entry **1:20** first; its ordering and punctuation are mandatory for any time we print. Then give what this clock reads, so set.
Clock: **3:14**
